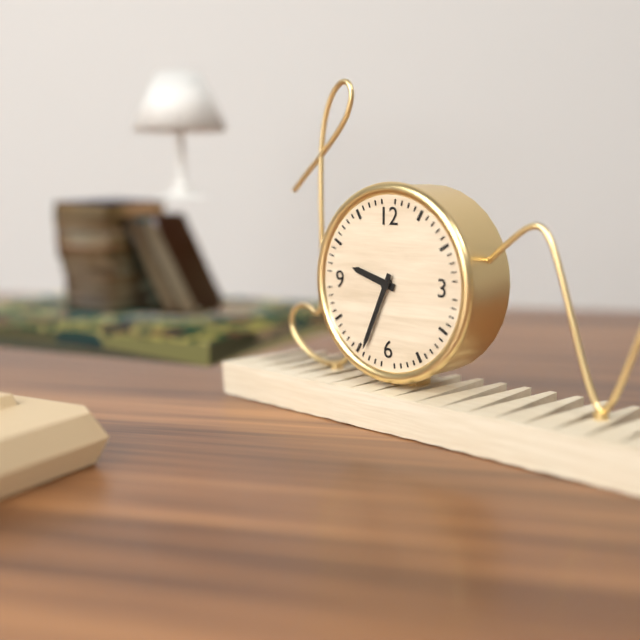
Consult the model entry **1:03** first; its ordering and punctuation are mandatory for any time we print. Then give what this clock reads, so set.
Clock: **9:34**
